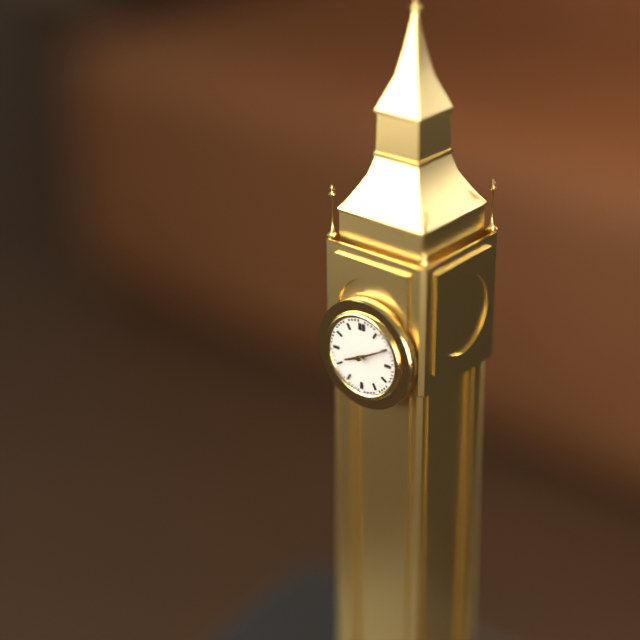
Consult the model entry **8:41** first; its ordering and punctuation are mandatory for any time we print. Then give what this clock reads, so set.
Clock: **8:10**
